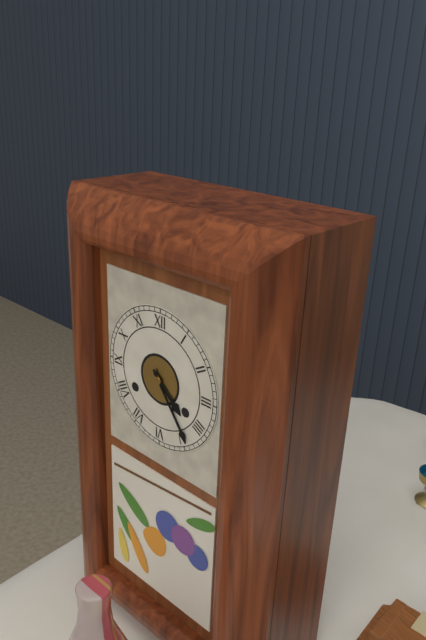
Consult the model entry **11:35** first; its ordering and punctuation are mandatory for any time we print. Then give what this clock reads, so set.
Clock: **4:24**
